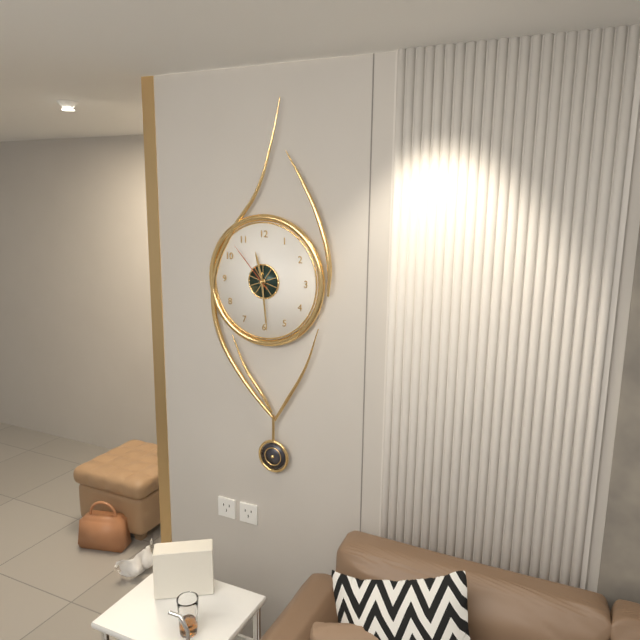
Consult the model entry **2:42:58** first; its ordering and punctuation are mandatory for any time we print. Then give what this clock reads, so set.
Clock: **11:29:53**
